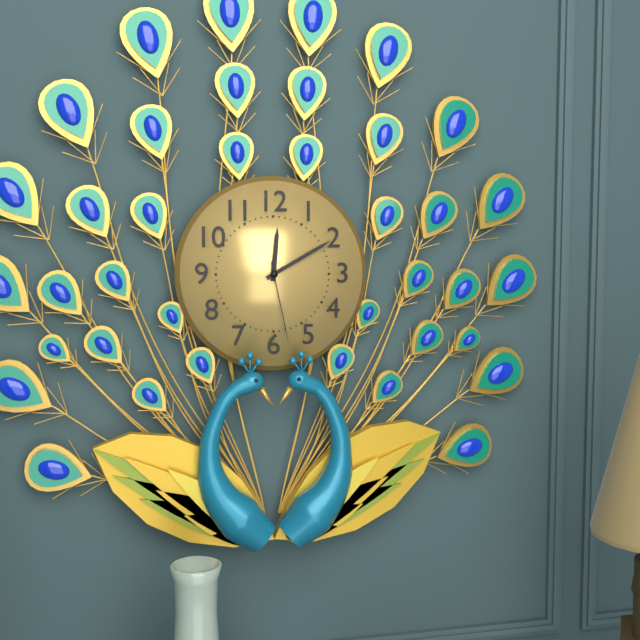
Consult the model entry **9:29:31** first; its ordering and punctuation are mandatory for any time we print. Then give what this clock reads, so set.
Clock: **12:10:28**
